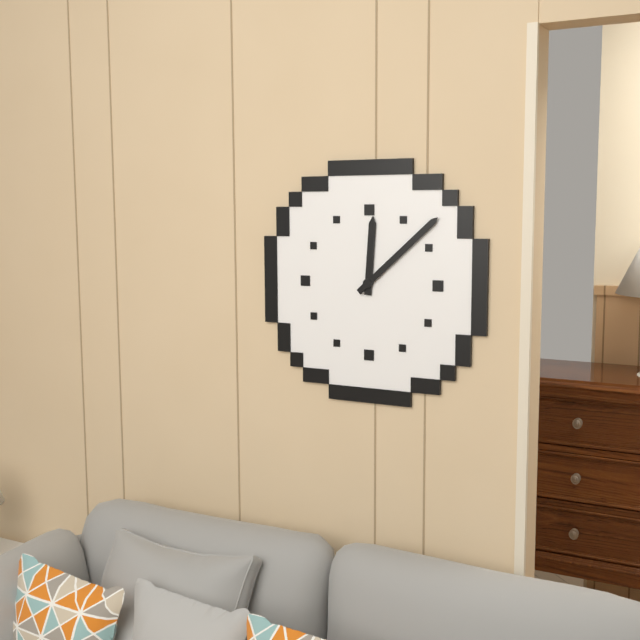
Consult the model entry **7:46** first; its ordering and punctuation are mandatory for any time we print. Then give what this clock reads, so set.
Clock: **12:08**
